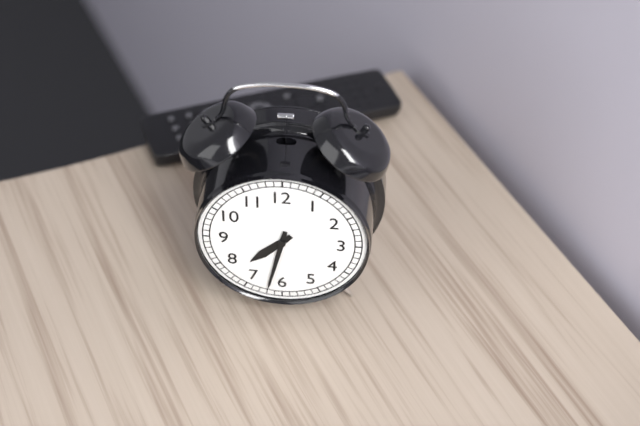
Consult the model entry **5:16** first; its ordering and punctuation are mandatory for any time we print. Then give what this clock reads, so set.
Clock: **7:32**
